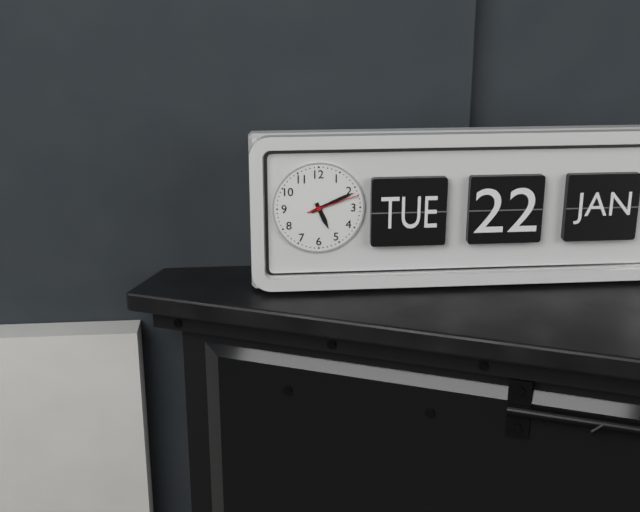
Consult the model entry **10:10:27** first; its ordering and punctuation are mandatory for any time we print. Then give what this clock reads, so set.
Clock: **5:11:12**
